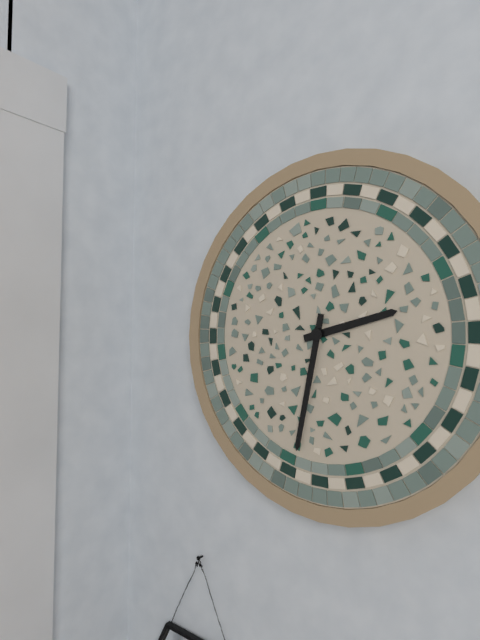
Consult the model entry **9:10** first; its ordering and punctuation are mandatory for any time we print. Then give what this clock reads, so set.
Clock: **2:32**
